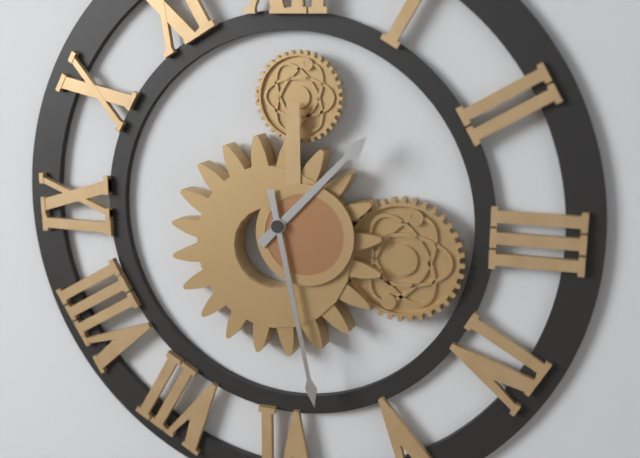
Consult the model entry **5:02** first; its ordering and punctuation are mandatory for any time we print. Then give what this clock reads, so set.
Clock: **1:28**
